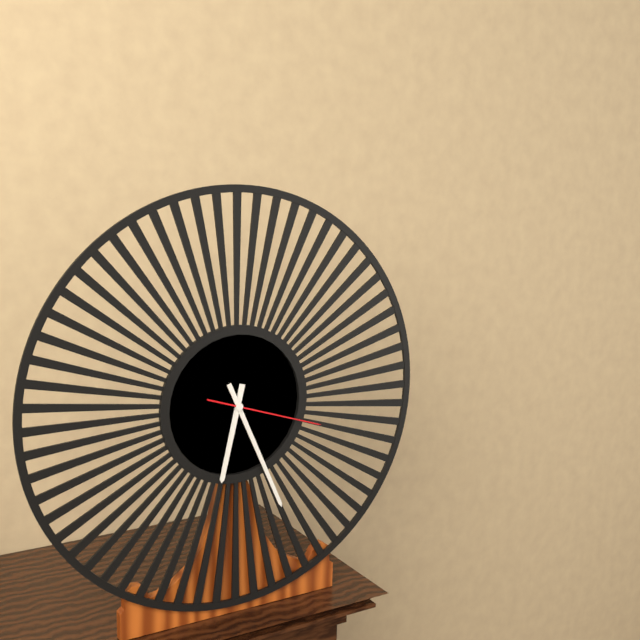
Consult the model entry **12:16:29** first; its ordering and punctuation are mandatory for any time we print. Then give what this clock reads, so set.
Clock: **6:26:18**
